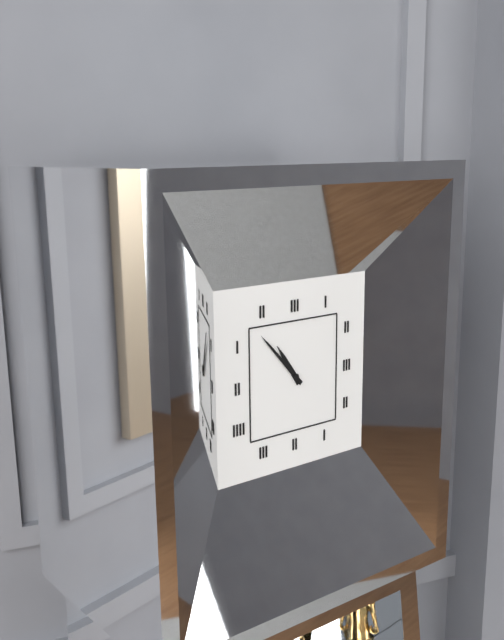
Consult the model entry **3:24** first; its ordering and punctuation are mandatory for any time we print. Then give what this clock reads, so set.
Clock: **10:53**
